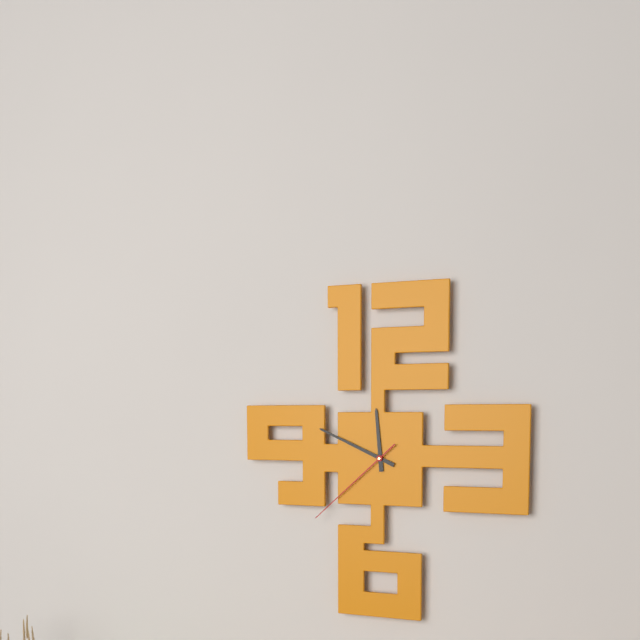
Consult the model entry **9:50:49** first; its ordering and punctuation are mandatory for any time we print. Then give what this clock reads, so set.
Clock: **11:49:38**
